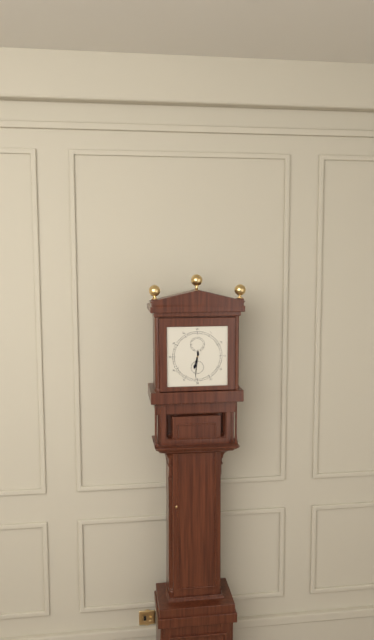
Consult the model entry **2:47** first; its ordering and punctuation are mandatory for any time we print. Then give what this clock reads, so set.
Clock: **6:31**
